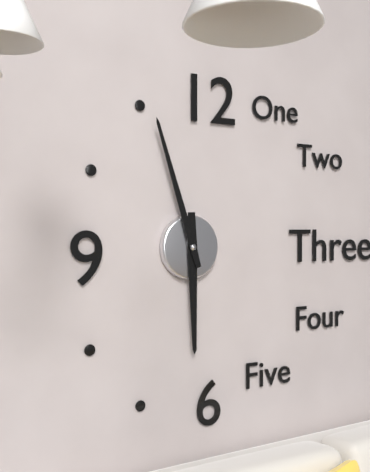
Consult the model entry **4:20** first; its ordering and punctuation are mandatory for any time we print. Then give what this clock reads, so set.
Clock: **5:57**
